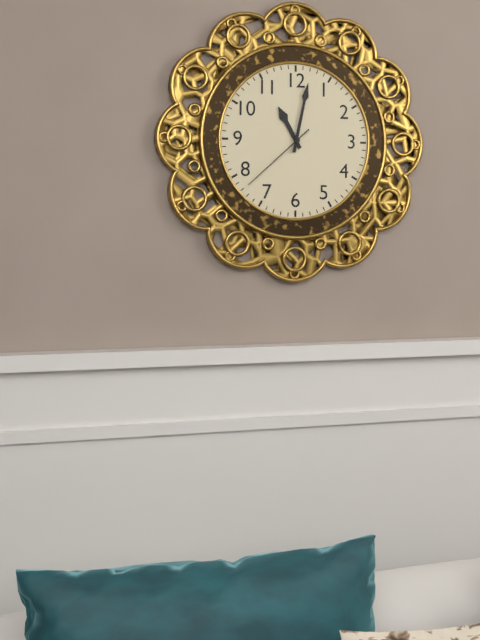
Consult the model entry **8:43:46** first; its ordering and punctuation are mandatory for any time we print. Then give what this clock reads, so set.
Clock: **11:02:38**
